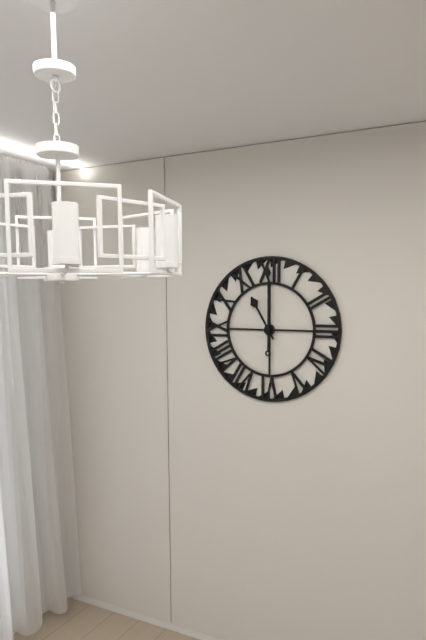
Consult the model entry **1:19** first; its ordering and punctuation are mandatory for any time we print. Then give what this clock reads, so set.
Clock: **11:00**
